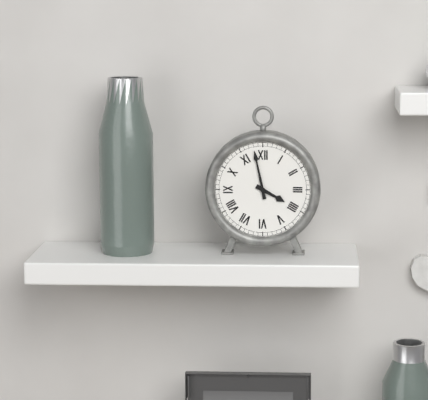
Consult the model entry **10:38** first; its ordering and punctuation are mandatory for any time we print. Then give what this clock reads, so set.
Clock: **3:58**
